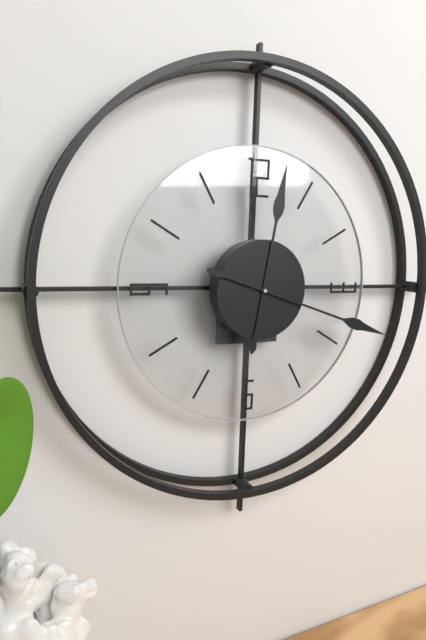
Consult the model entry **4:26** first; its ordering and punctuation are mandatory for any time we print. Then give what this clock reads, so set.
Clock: **12:18**
